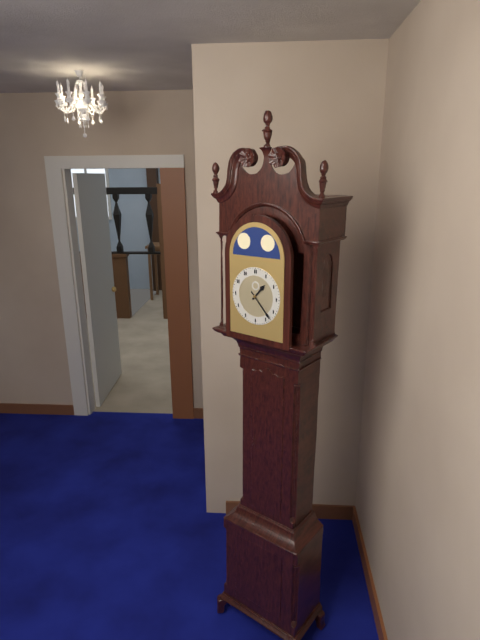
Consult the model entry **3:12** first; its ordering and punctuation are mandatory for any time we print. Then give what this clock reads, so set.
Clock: **1:23**
